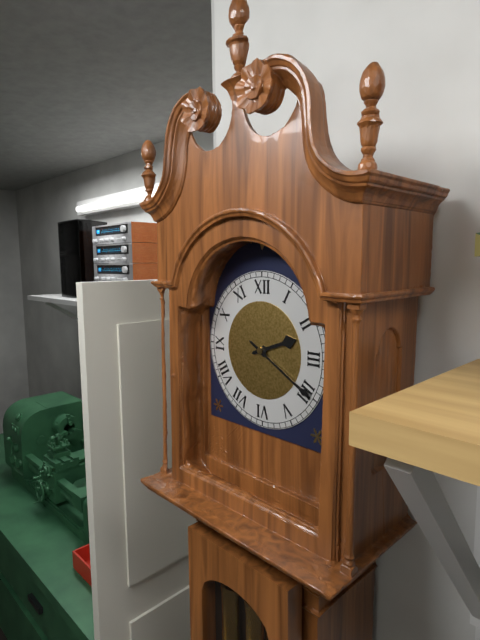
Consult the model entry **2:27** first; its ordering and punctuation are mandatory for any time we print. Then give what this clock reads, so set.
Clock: **2:20**
